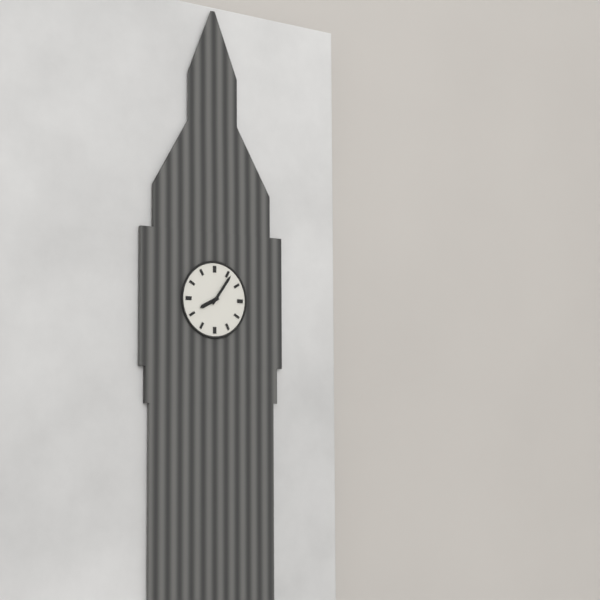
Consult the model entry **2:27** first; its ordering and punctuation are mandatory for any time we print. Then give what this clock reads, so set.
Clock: **8:06**
